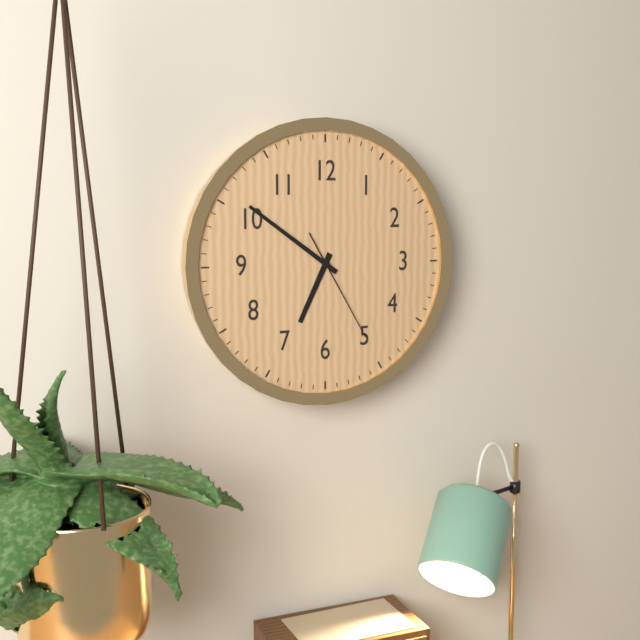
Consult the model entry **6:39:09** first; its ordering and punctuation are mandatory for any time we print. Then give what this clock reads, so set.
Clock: **6:51:25**
